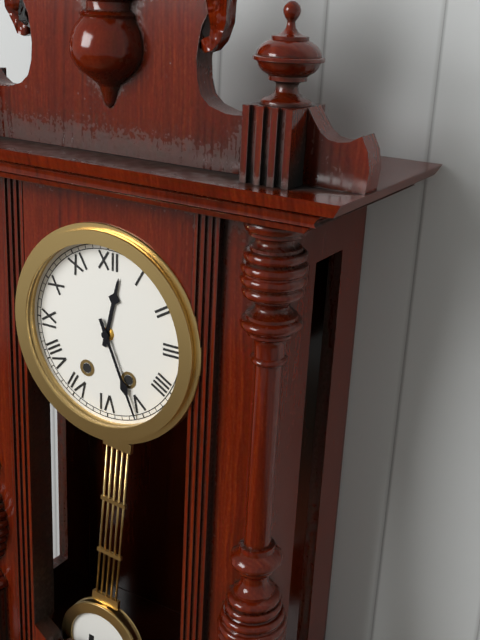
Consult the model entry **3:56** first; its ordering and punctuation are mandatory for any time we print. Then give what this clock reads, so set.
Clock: **12:26**
